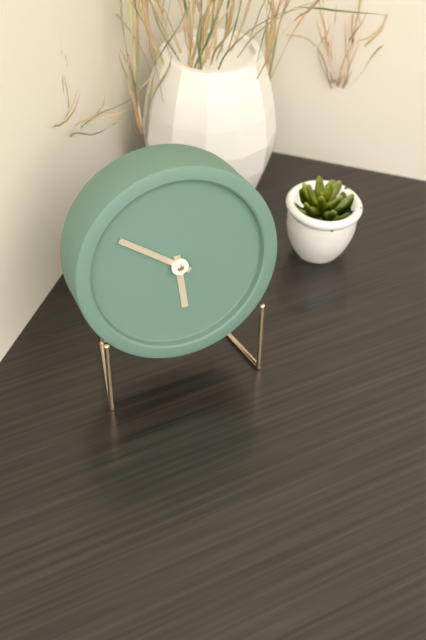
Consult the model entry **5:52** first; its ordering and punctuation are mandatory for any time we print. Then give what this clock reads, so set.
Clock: **5:51**
